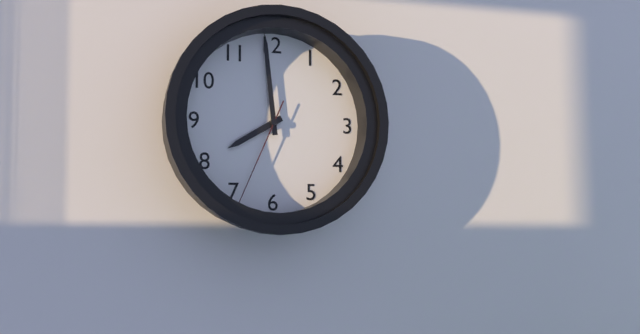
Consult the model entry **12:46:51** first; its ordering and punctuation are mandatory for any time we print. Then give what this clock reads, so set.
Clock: **7:59:34**
